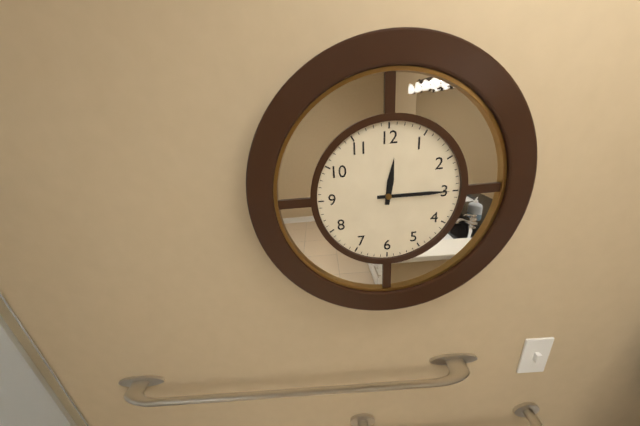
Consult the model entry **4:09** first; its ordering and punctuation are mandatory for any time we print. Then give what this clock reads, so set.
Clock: **12:15**
